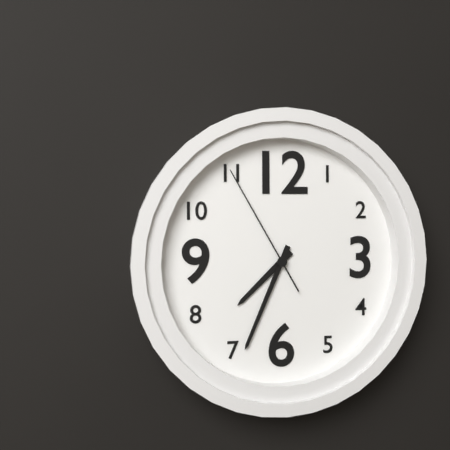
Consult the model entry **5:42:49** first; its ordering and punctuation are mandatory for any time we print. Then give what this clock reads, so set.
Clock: **7:34:55**
